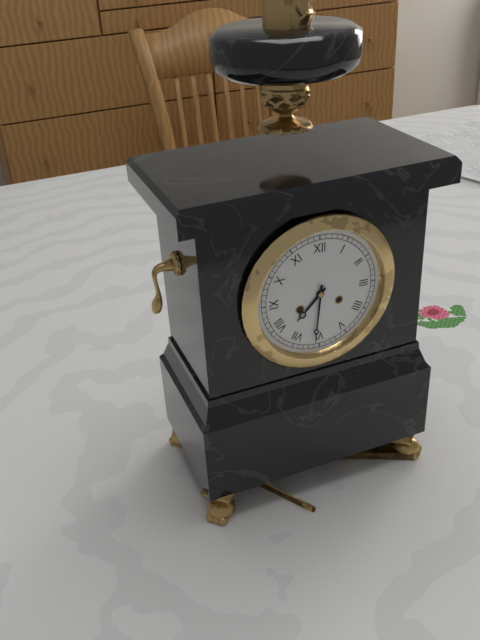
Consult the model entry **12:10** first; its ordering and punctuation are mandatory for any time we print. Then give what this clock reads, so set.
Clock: **7:31**
